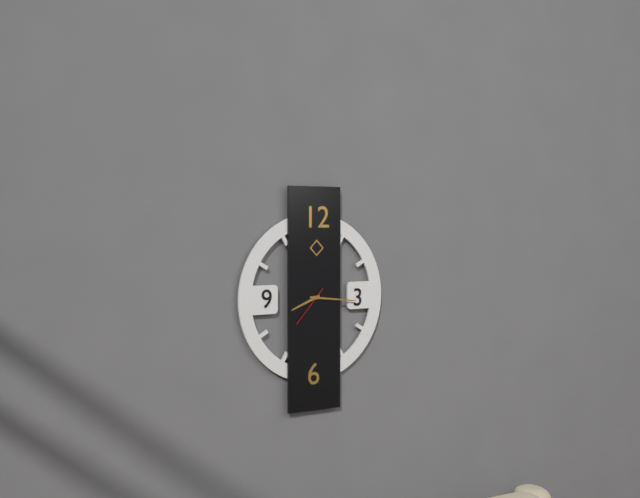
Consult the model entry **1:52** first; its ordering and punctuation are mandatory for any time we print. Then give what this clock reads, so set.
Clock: **8:16**
